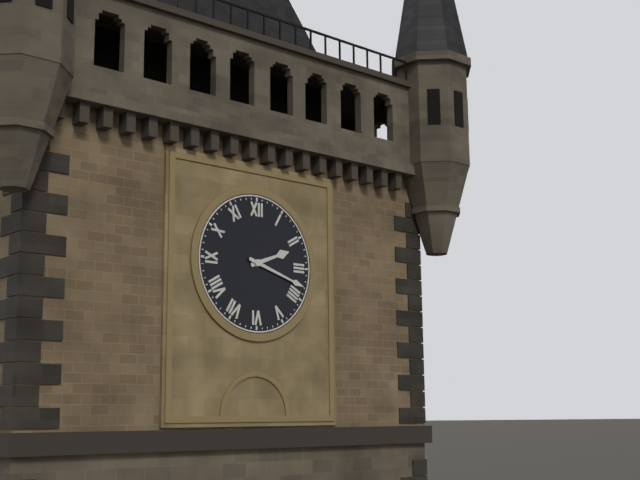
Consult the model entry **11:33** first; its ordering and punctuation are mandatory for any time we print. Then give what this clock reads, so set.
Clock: **2:18**
